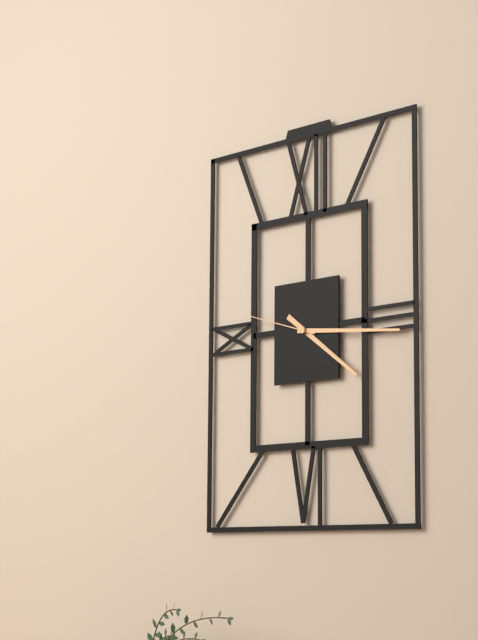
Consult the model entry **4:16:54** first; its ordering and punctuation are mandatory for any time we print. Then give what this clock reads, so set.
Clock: **4:16:48**
